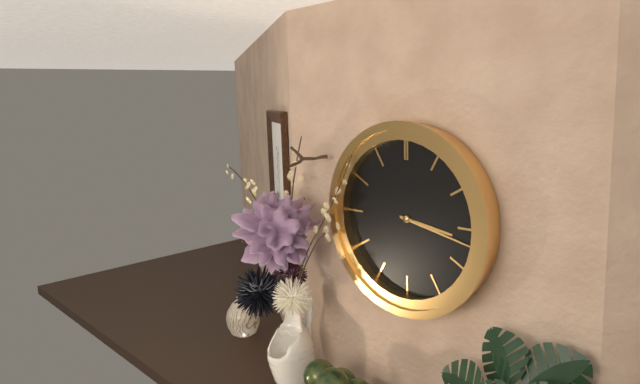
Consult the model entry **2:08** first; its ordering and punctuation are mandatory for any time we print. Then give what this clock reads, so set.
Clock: **3:17**
